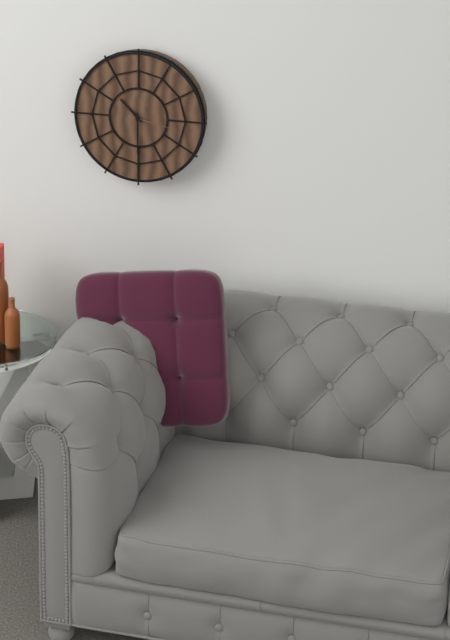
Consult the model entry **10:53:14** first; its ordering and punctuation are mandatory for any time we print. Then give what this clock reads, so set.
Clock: **10:30:17**
